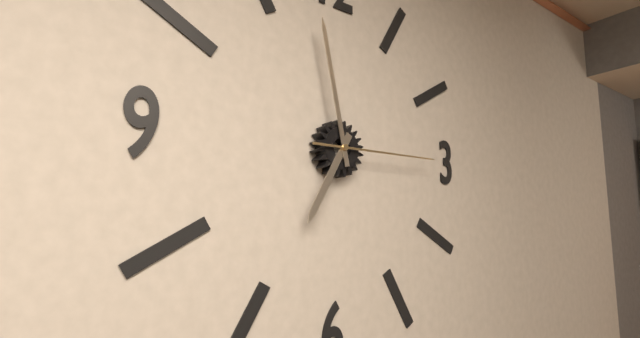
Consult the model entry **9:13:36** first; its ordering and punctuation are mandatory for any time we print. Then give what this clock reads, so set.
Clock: **6:58:15**
